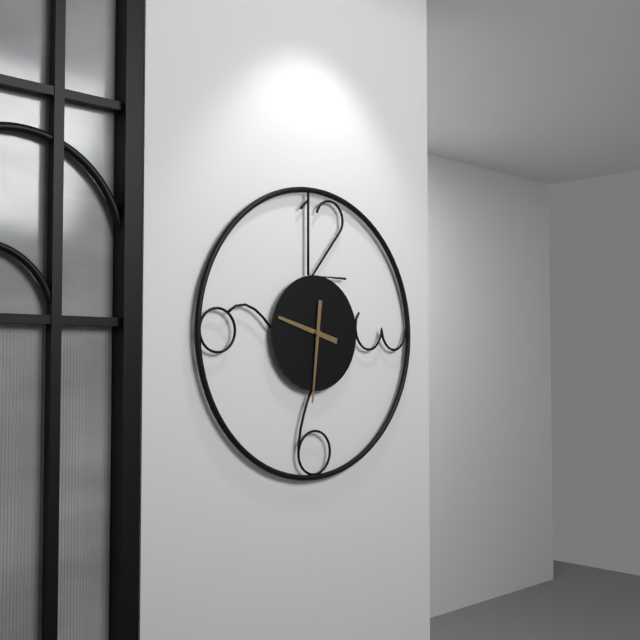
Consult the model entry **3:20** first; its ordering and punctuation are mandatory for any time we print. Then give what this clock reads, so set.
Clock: **9:31**
